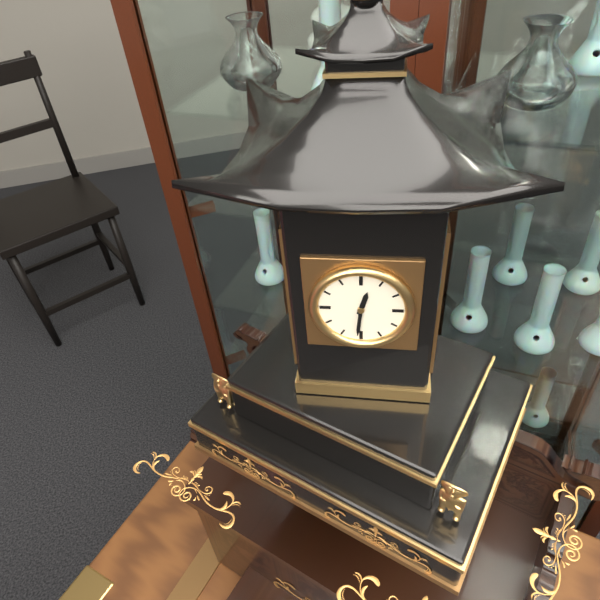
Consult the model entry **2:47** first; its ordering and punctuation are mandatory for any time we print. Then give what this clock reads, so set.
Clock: **12:31**
